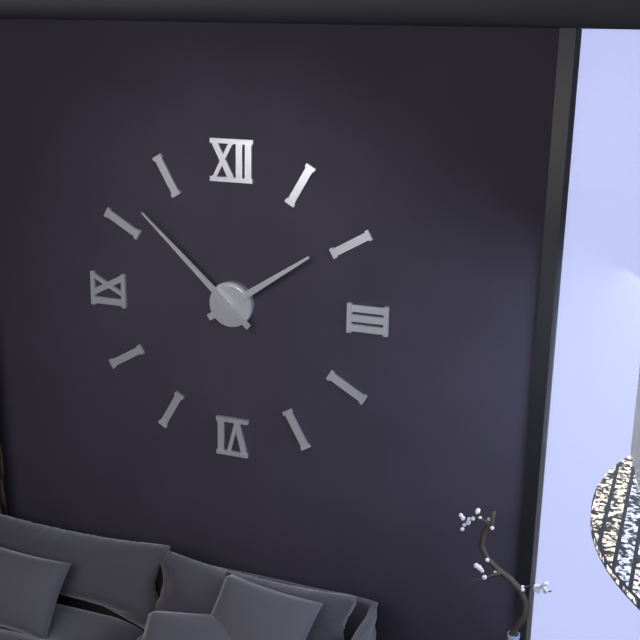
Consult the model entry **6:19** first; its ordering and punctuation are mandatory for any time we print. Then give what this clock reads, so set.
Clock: **1:52**
